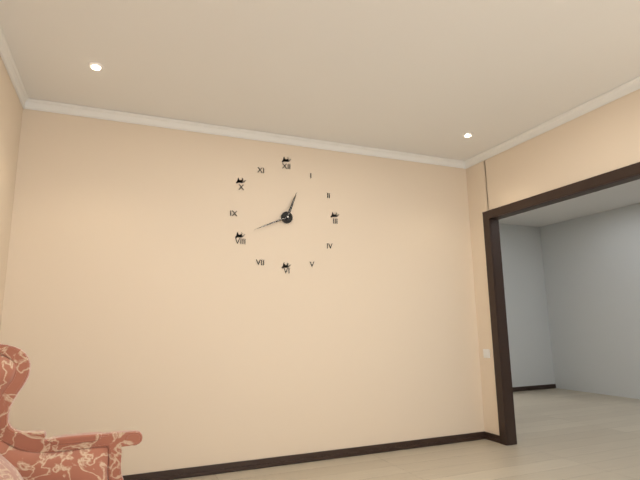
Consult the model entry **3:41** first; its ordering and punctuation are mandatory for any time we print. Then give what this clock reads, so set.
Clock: **12:41**
